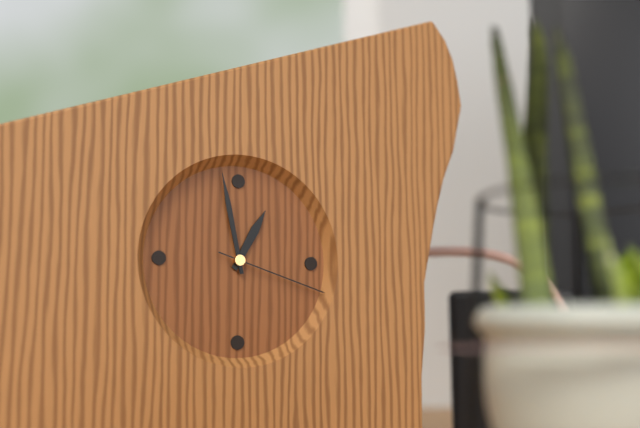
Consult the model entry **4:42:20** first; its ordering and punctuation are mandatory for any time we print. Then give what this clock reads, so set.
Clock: **12:58:18**
